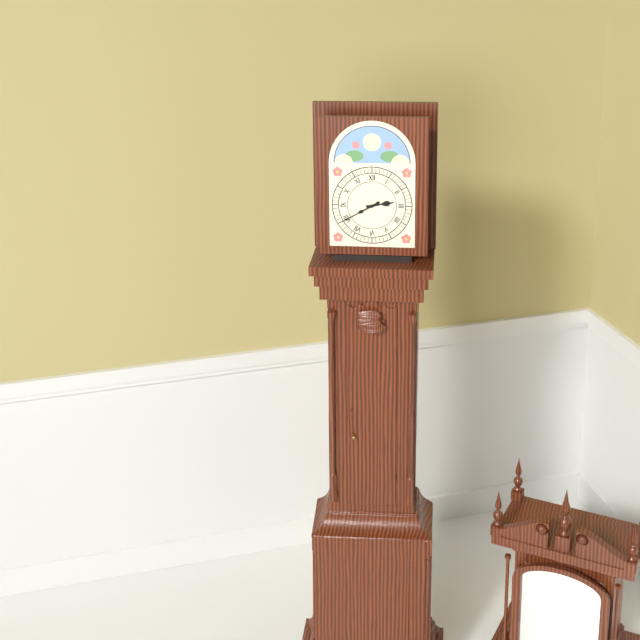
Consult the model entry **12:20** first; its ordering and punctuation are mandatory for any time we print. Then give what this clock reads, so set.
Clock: **2:40**
